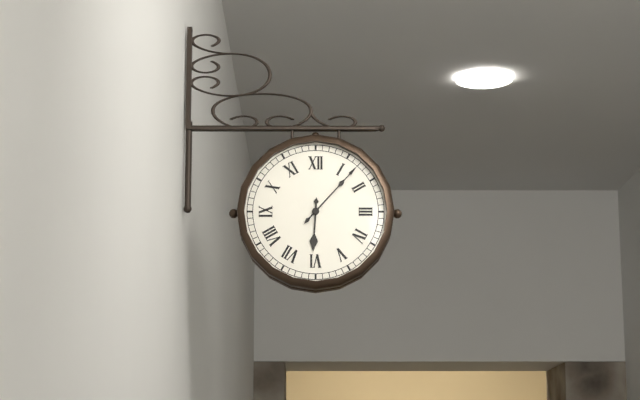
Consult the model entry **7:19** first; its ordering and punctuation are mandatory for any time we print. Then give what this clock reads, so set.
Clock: **6:07**
